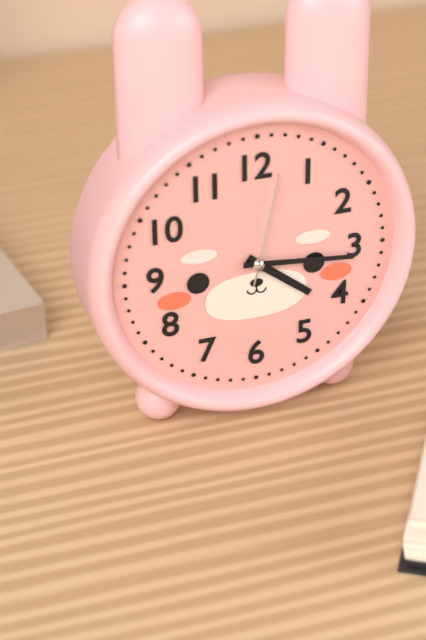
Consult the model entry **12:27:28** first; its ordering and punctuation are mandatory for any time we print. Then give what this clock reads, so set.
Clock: **4:16:02**
